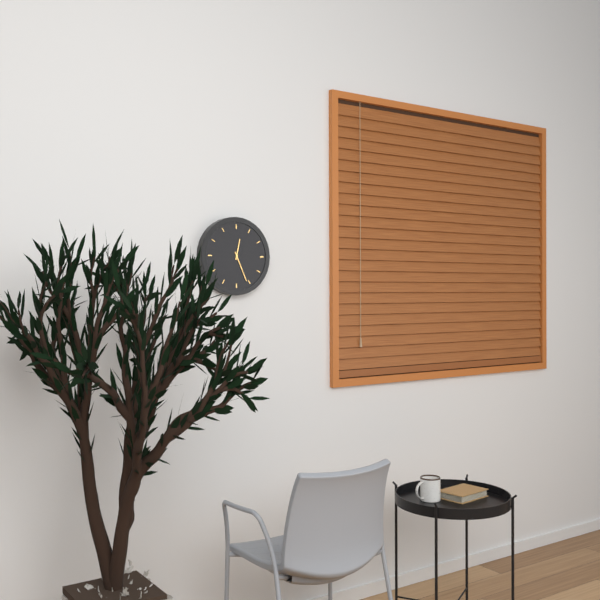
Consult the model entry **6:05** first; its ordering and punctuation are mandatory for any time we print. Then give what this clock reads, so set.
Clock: **12:26**
